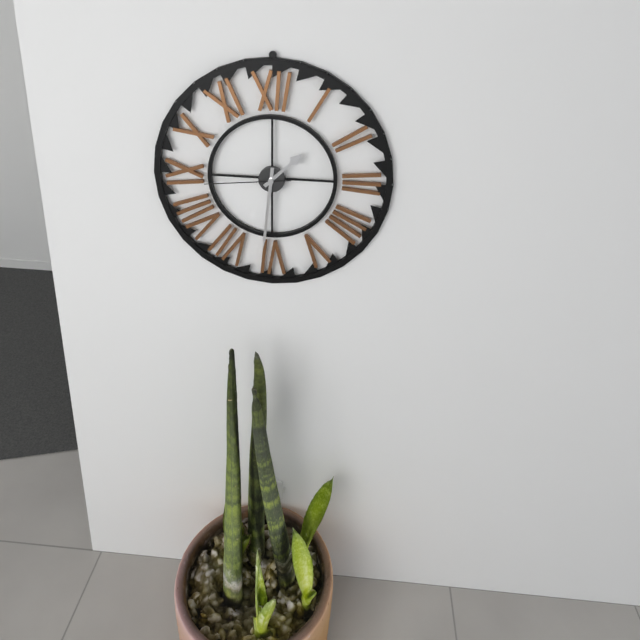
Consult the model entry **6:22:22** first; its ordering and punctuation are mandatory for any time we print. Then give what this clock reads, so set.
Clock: **1:31:44**
